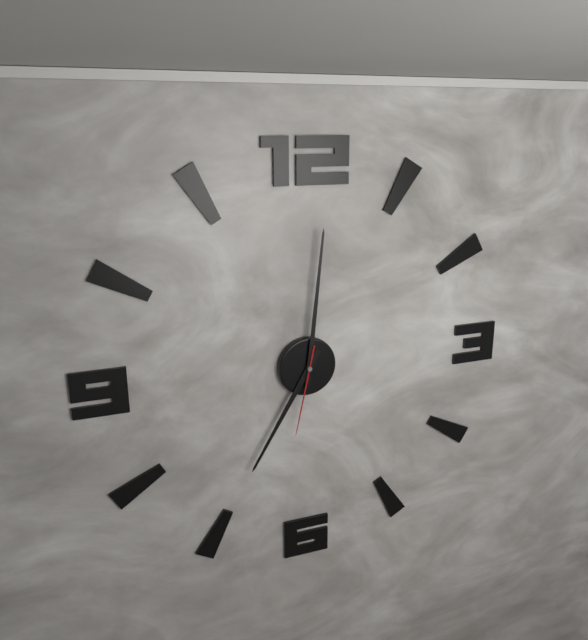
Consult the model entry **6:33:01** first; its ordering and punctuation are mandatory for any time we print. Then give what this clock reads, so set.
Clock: **7:01:32**
